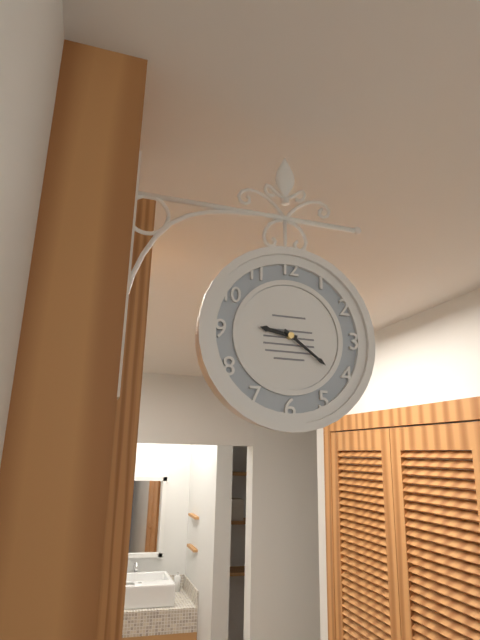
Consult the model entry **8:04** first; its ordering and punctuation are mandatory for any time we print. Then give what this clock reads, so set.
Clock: **9:21**
